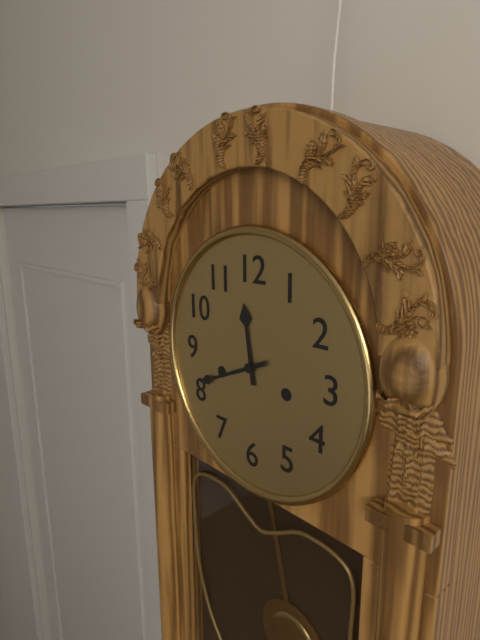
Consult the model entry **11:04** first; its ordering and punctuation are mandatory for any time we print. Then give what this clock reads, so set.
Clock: **11:41**
